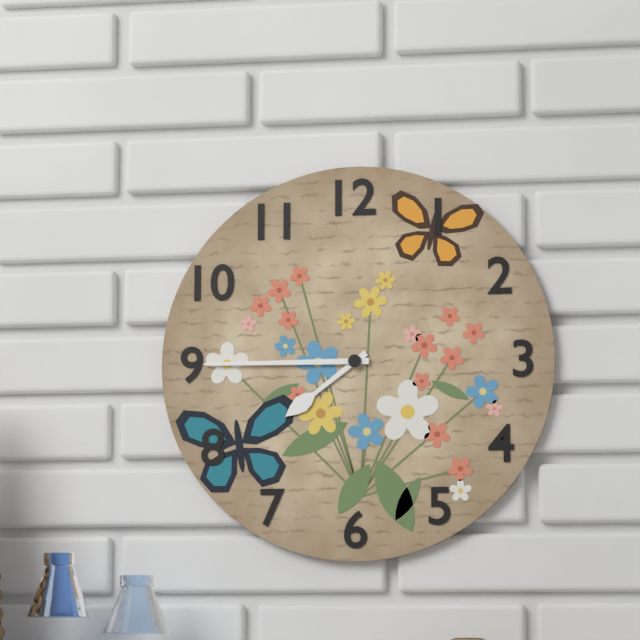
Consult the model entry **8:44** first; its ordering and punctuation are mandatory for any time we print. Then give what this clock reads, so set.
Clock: **7:45**
